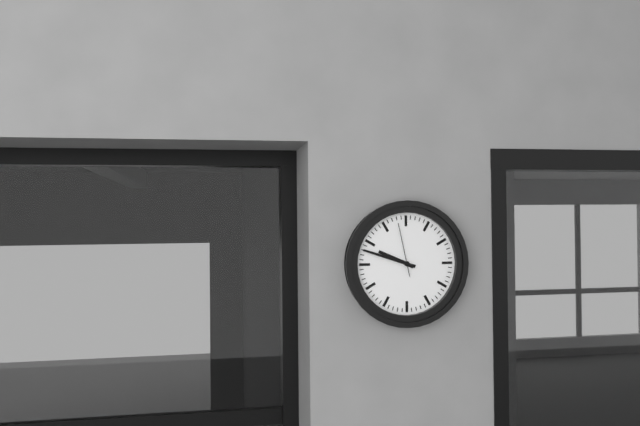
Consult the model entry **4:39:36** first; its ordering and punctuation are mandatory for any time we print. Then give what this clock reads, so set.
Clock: **9:48:58**
